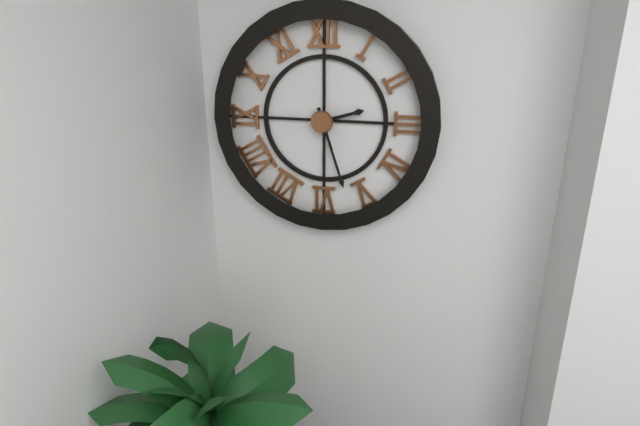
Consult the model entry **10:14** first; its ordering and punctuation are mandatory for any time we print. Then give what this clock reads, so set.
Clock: **2:27**
